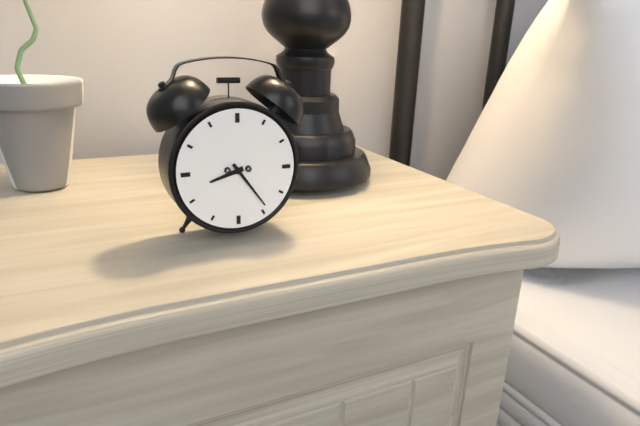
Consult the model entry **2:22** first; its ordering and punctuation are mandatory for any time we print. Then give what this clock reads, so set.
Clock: **8:24**
